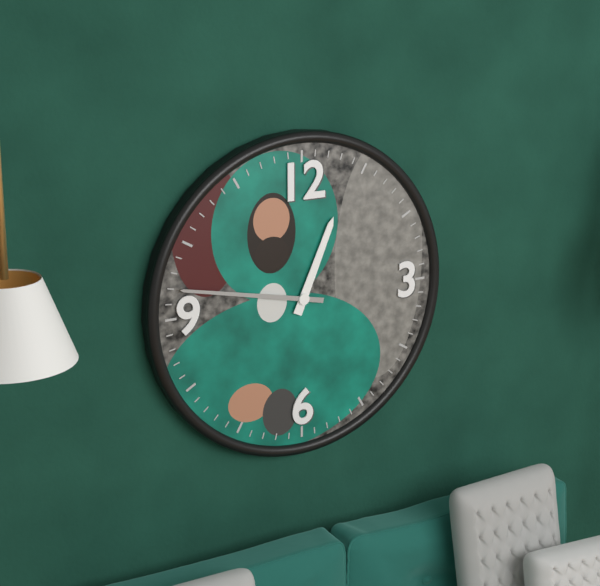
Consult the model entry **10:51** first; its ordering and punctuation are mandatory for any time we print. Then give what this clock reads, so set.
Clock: **12:47**
